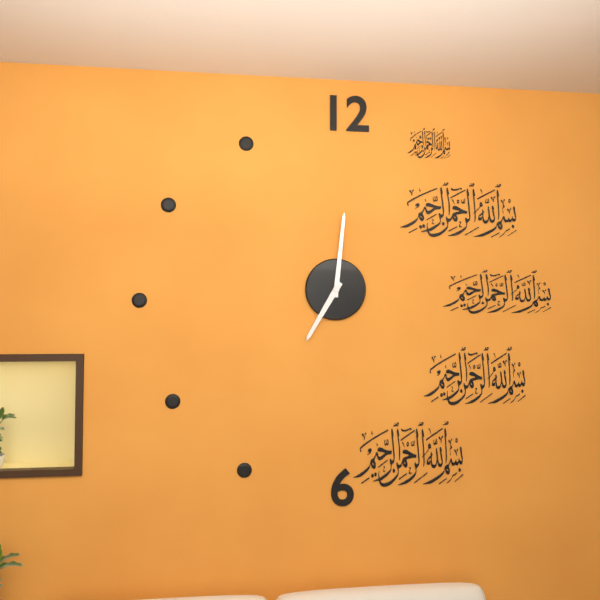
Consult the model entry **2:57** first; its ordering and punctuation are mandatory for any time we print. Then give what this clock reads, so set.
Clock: **7:01**
